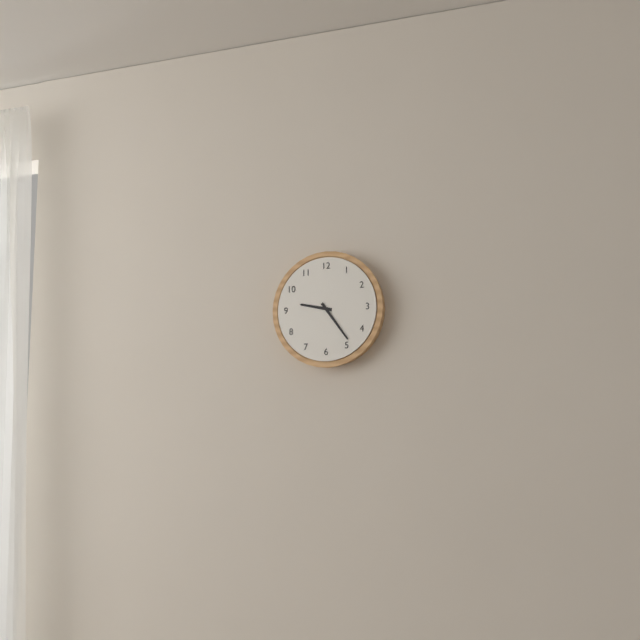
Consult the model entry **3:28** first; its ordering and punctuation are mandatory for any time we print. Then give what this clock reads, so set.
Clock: **9:24**
